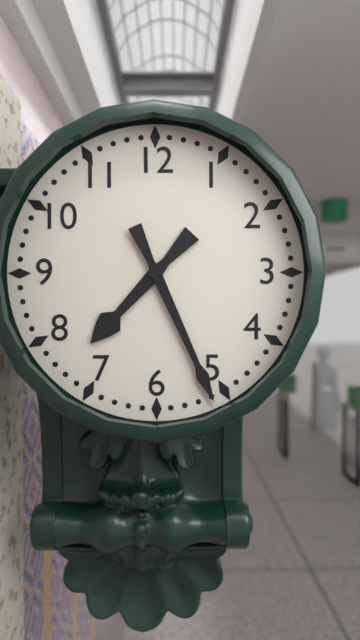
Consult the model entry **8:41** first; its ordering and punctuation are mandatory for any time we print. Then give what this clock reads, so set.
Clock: **7:26**
